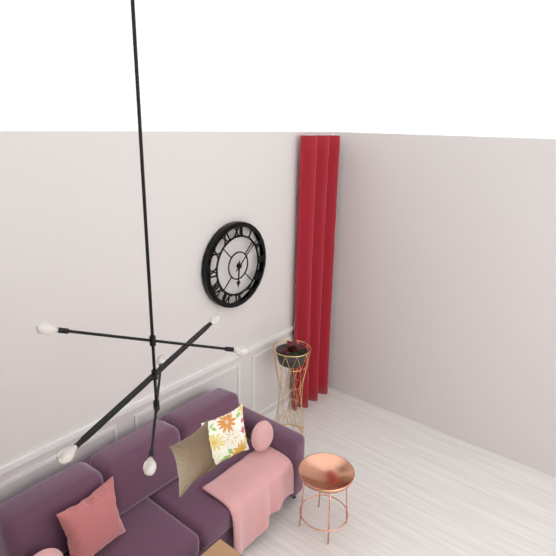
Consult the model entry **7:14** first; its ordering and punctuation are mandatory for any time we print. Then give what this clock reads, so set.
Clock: **6:08**
